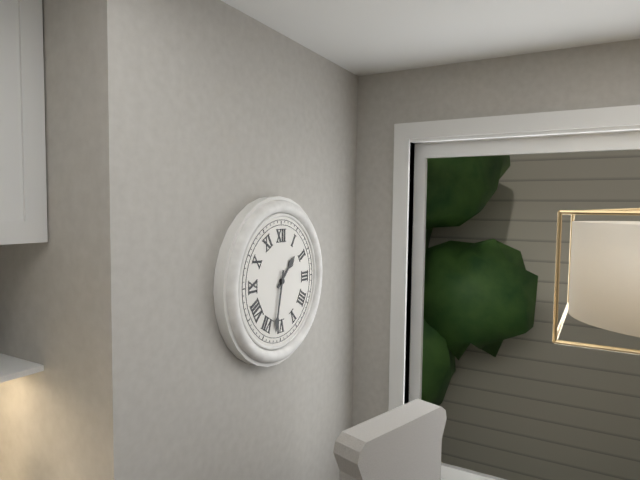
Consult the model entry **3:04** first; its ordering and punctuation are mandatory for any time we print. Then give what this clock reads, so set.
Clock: **1:32**
